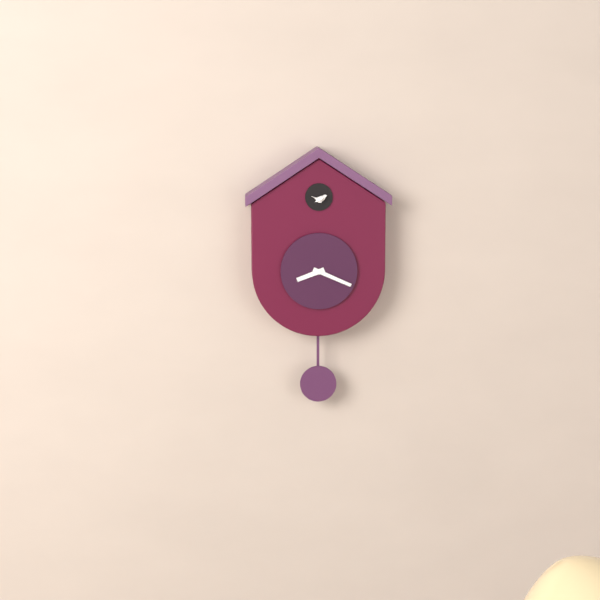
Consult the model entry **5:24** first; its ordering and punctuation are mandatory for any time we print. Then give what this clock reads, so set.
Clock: **8:19**
